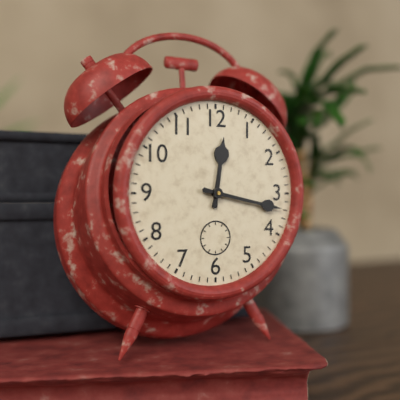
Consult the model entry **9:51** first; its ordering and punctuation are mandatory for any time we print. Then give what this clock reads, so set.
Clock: **12:17**
